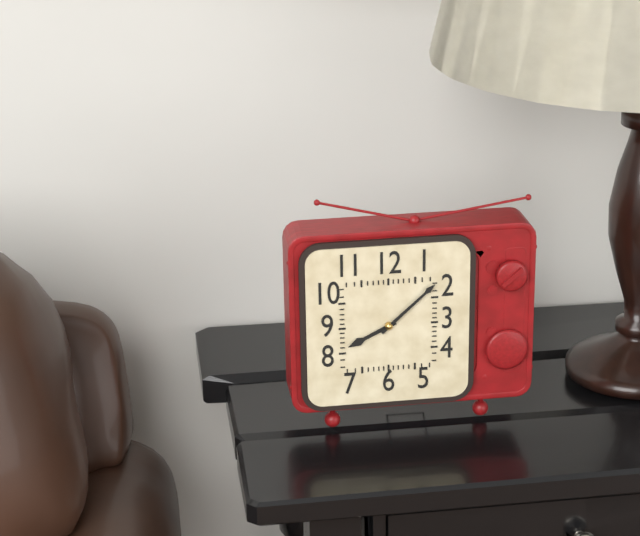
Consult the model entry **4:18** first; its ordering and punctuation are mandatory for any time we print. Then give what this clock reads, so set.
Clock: **8:08**
